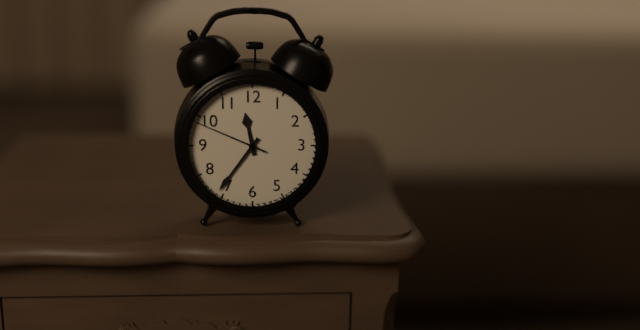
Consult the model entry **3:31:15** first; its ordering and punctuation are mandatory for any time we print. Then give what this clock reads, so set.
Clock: **11:36:49**
